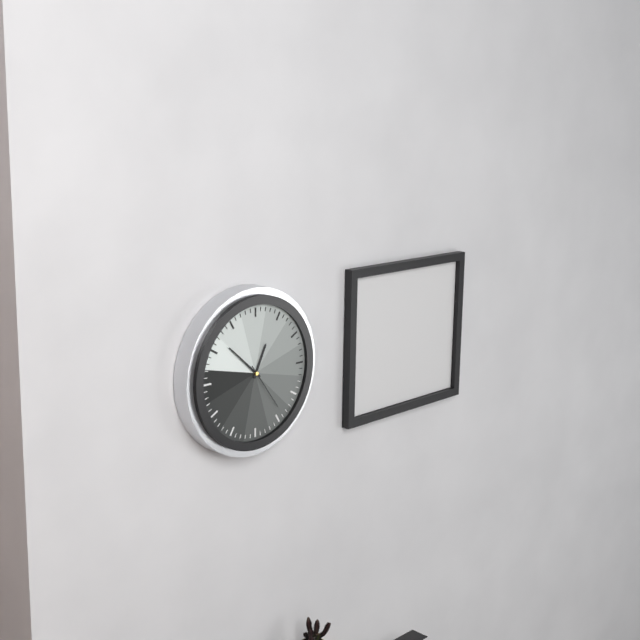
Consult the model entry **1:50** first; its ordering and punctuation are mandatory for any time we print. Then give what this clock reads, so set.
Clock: **12:52**
